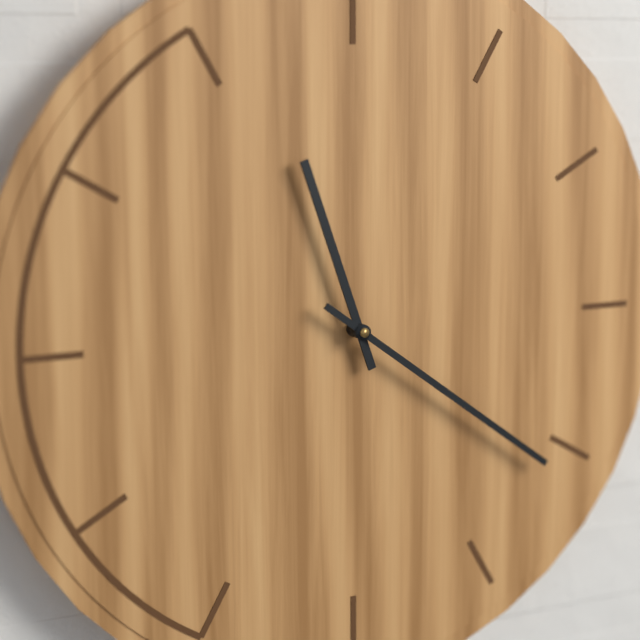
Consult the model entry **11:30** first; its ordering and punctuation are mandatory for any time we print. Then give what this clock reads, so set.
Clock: **11:21**
